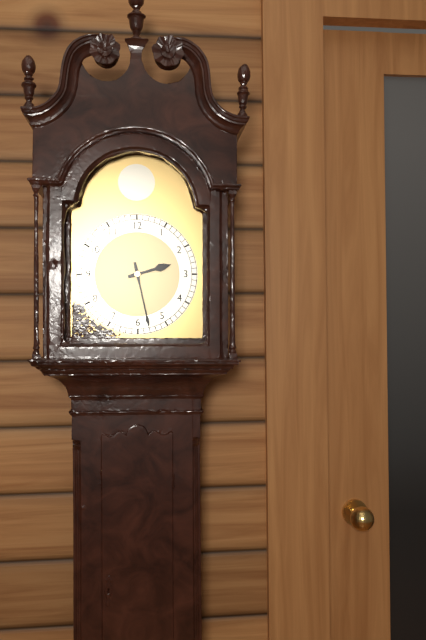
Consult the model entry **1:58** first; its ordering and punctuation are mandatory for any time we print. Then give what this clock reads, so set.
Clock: **2:28**
